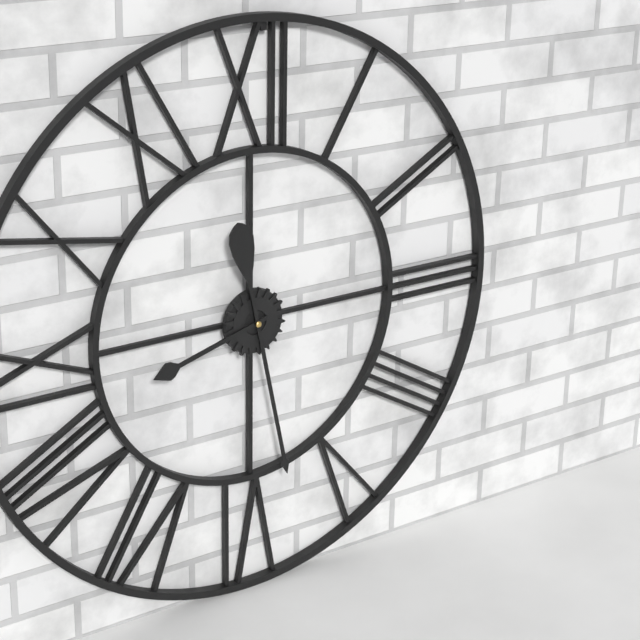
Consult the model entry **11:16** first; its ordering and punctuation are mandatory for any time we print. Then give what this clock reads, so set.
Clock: **8:28**
